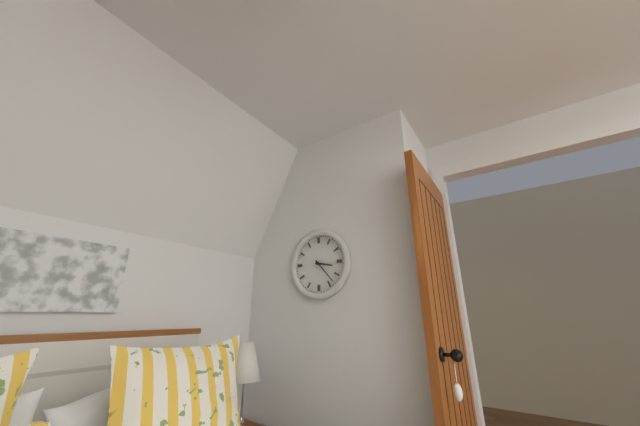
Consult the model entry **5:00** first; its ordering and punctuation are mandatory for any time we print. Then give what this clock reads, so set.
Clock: **3:23**
